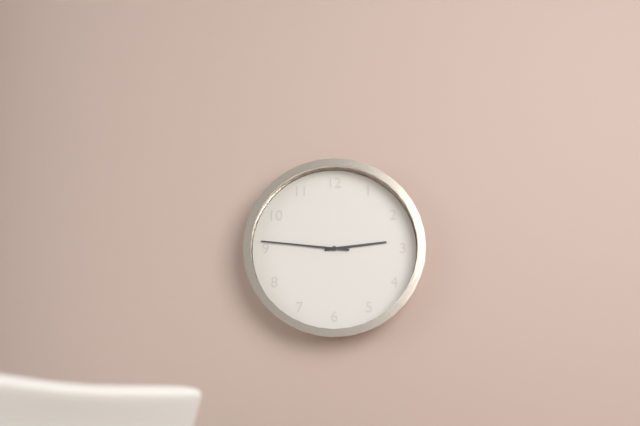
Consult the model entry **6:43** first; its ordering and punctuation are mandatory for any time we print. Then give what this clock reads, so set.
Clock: **2:46**
